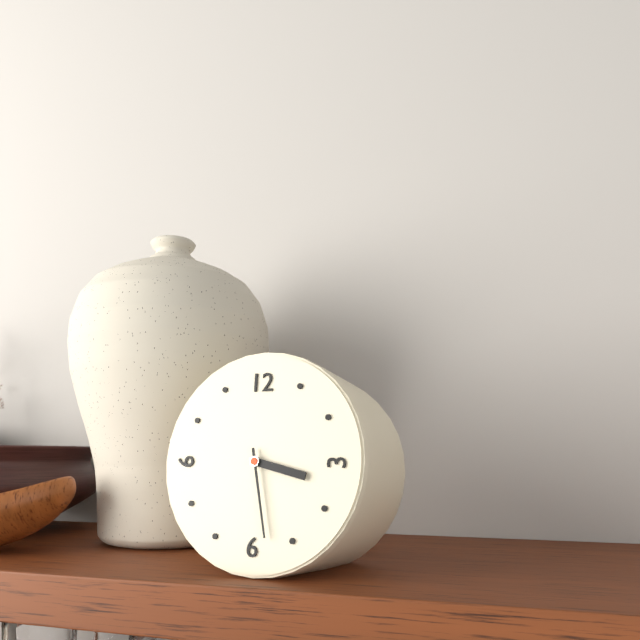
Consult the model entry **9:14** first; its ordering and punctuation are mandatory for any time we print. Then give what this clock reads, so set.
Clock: **3:28**
